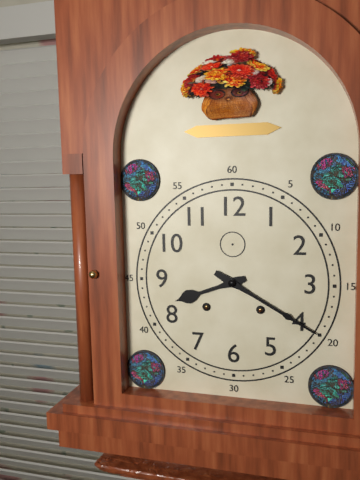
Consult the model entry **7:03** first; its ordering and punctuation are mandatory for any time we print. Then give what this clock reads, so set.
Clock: **8:20**
